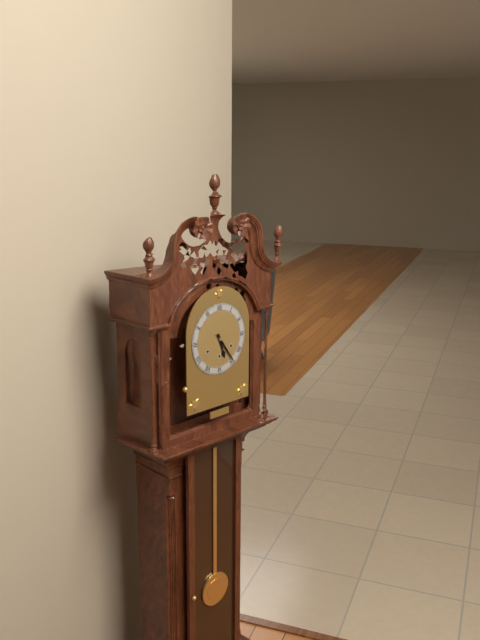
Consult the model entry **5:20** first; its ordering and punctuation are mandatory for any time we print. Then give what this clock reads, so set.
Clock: **5:24**
